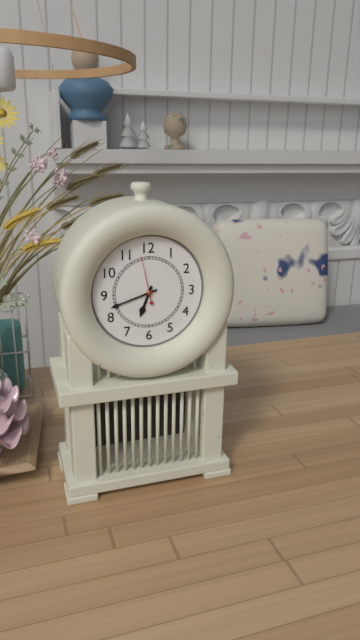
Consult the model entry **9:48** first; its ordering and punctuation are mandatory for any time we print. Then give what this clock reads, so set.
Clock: **6:42**
